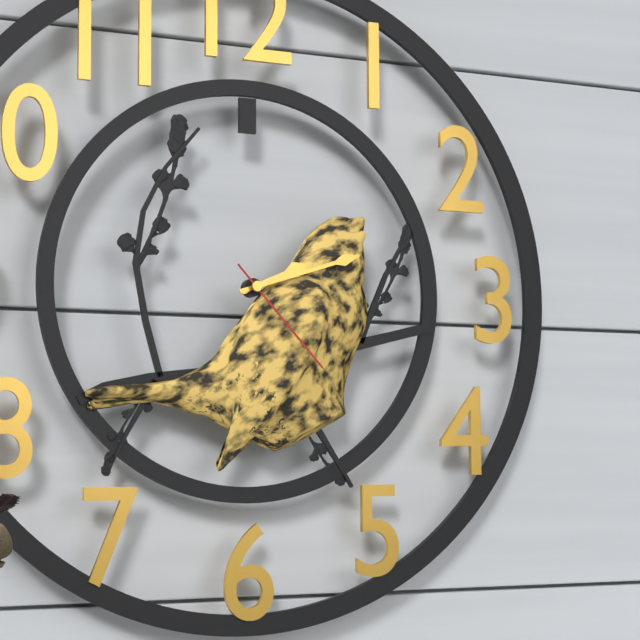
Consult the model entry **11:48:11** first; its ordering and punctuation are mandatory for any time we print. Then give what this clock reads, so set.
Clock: **2:12:23**
